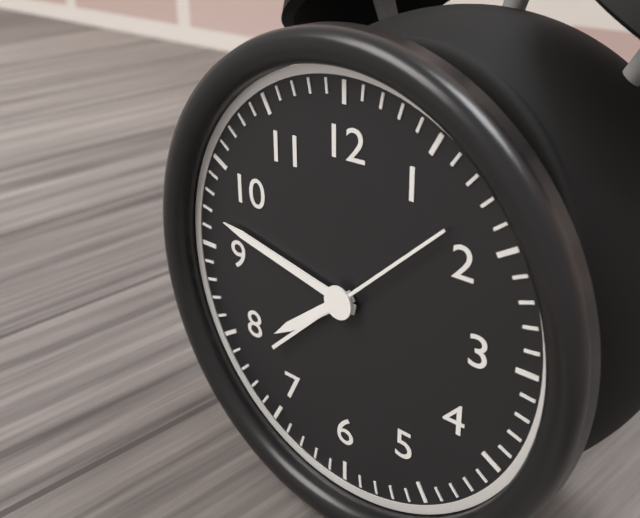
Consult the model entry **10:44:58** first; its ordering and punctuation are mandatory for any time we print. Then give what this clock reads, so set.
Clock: **7:47:08**
